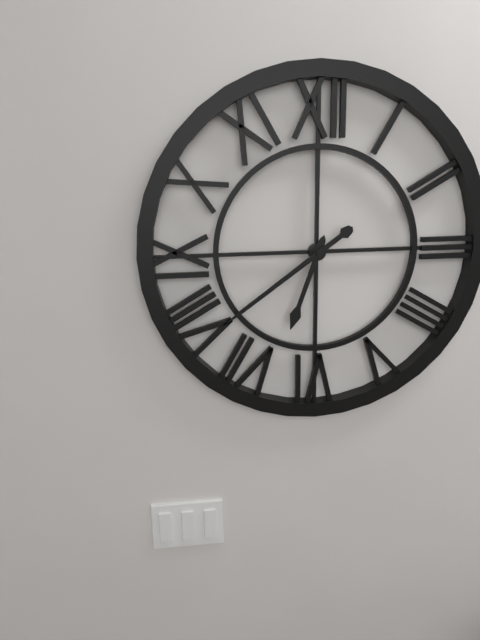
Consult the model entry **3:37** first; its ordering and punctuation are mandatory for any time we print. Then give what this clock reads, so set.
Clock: **6:39**
